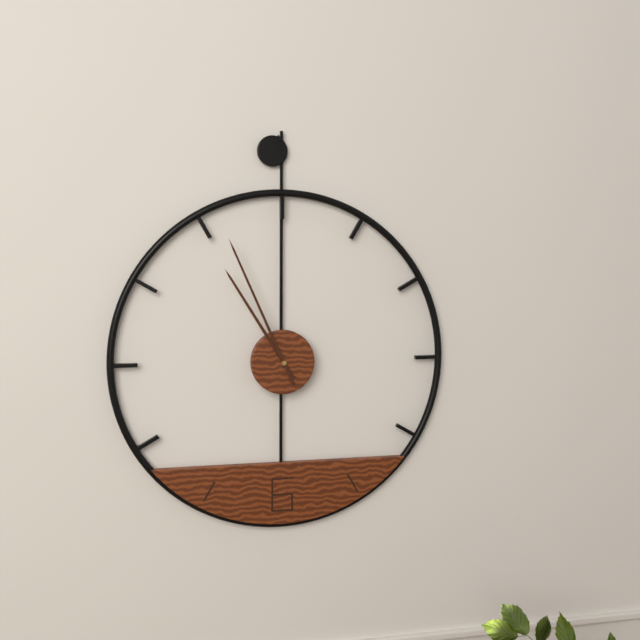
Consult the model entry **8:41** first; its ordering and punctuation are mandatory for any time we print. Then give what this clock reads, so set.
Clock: **10:56**
